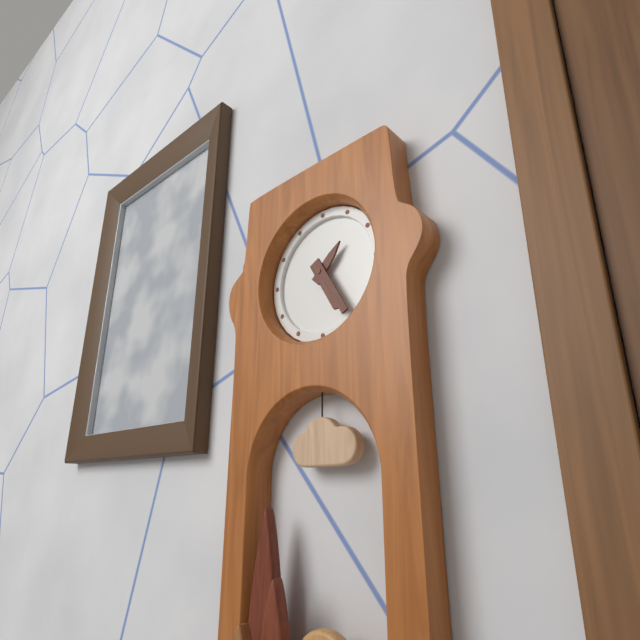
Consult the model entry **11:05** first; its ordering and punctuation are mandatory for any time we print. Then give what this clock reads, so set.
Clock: **1:25**
